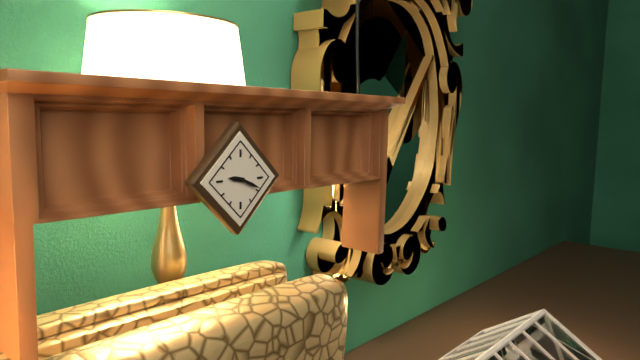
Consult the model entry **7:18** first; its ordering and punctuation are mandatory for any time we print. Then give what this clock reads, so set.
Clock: **9:19**
